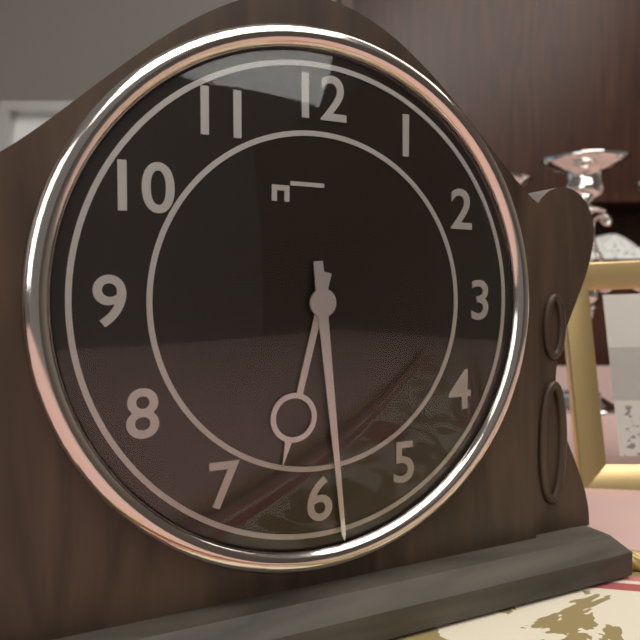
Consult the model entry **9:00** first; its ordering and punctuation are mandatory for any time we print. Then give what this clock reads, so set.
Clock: **6:29**
